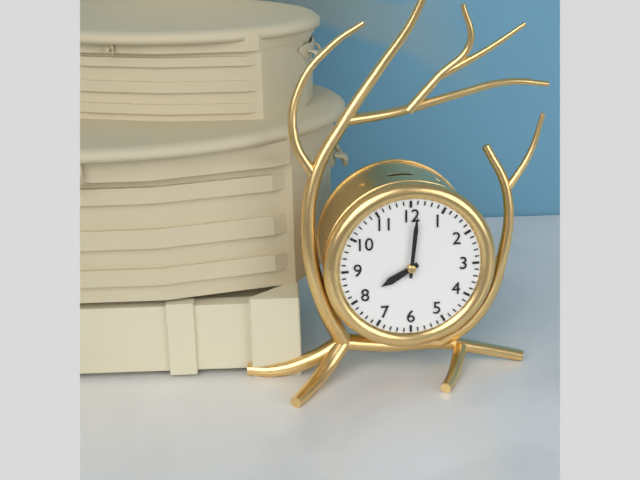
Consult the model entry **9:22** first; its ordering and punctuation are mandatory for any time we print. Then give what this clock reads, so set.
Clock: **8:01**
